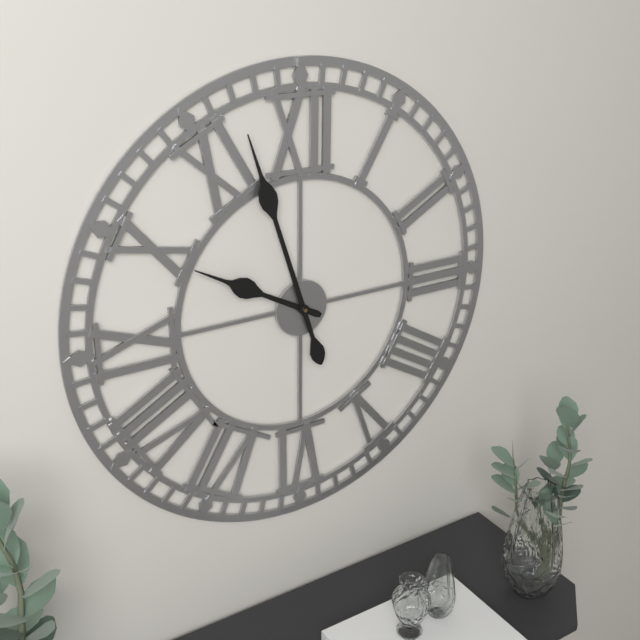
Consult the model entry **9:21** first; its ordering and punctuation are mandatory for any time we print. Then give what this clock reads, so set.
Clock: **9:57**
